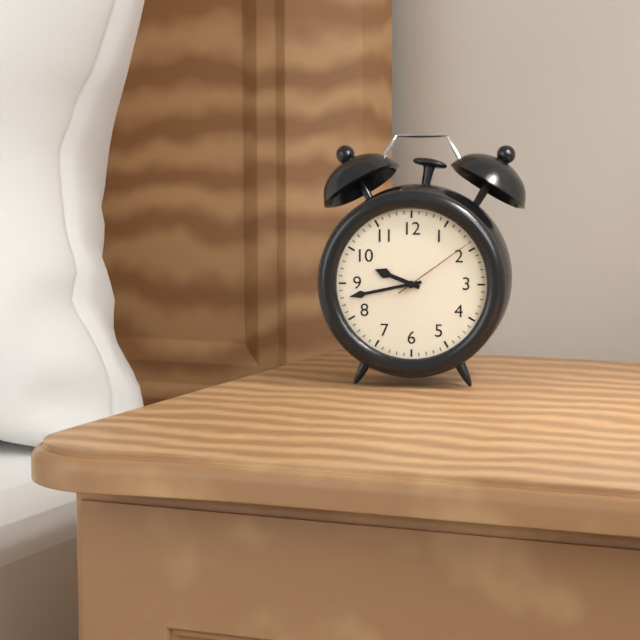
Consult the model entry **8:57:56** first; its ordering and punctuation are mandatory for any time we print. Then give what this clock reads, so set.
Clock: **9:43:09**
